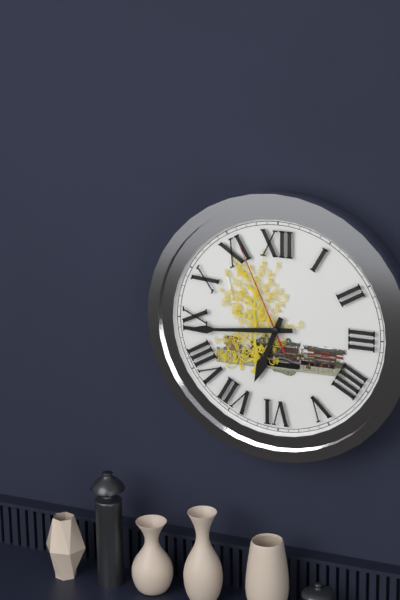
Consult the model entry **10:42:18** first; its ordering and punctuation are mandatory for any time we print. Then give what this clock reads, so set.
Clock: **6:44:56**
